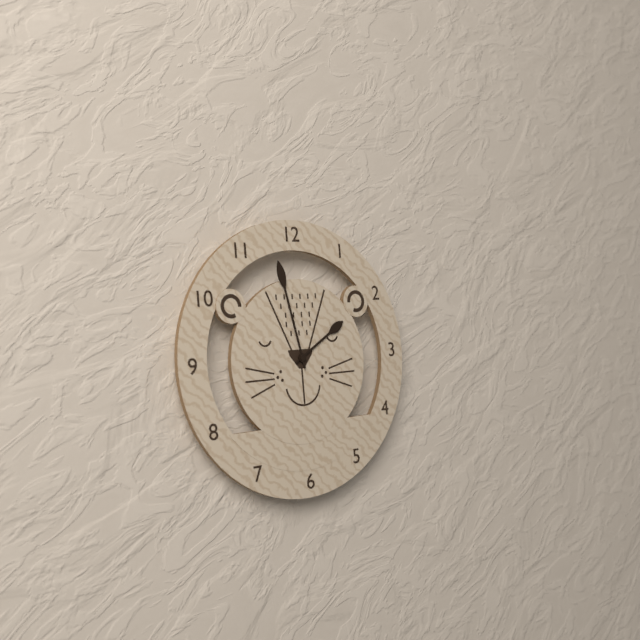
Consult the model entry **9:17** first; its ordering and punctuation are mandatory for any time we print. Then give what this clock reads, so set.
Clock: **1:58**
